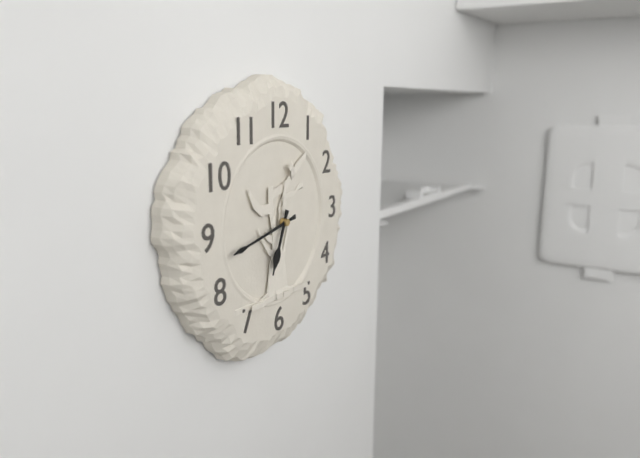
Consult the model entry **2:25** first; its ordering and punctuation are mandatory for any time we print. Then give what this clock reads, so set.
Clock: **6:43**
